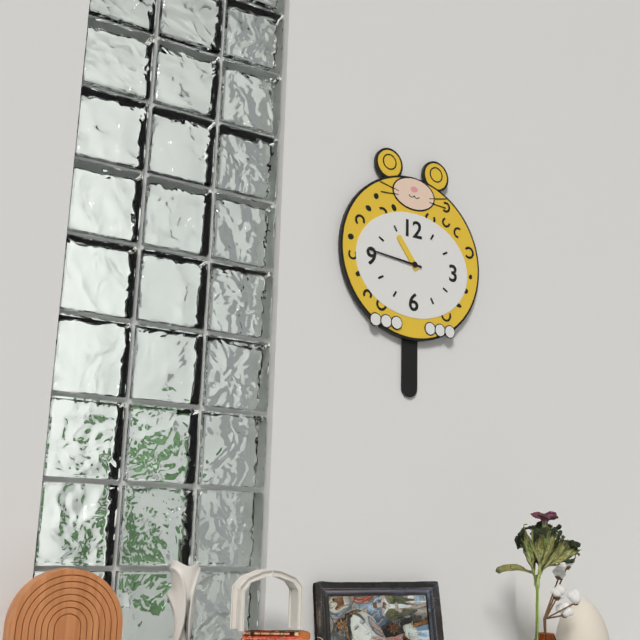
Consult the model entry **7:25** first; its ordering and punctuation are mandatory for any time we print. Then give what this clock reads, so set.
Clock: **10:46**
